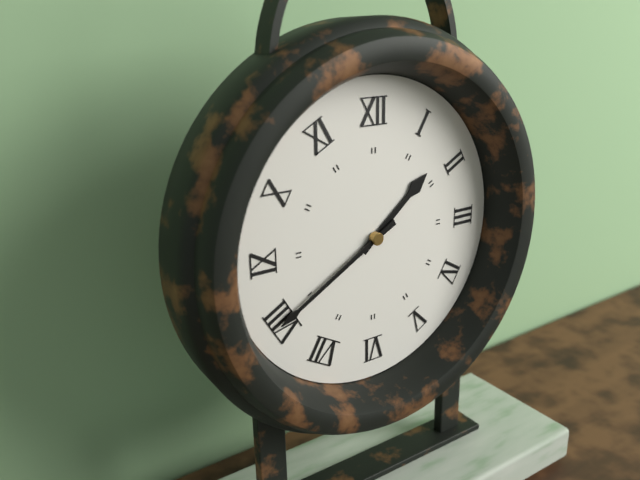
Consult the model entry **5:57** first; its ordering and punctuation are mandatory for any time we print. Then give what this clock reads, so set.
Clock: **1:40**
